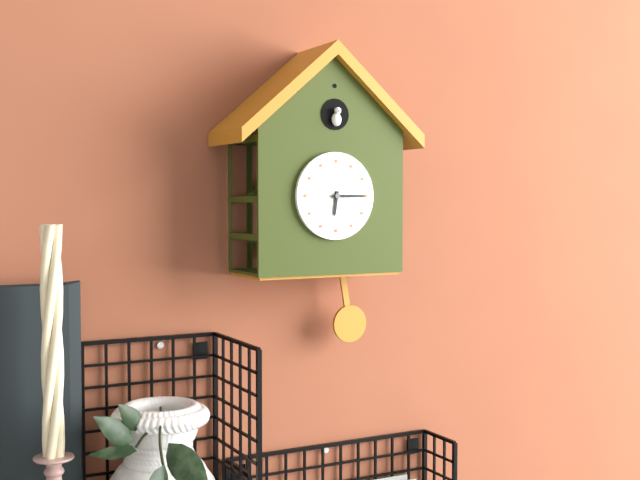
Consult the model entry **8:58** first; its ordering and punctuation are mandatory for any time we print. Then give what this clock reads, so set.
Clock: **6:15**
